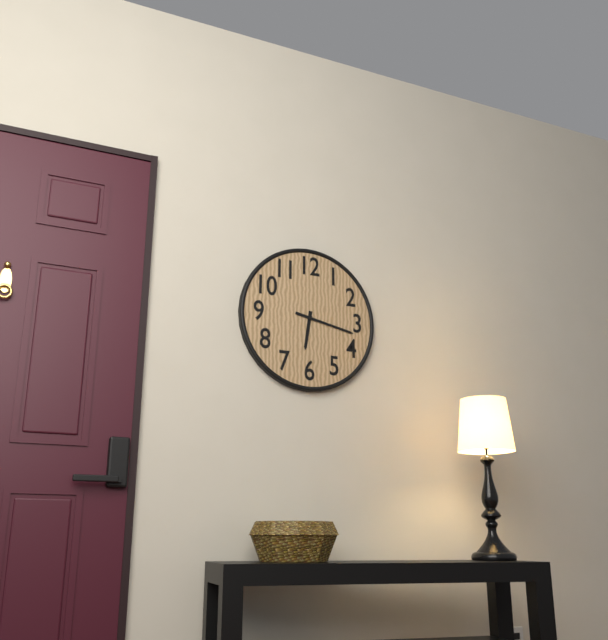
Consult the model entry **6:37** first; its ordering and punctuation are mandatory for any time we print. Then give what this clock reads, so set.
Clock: **6:17**
